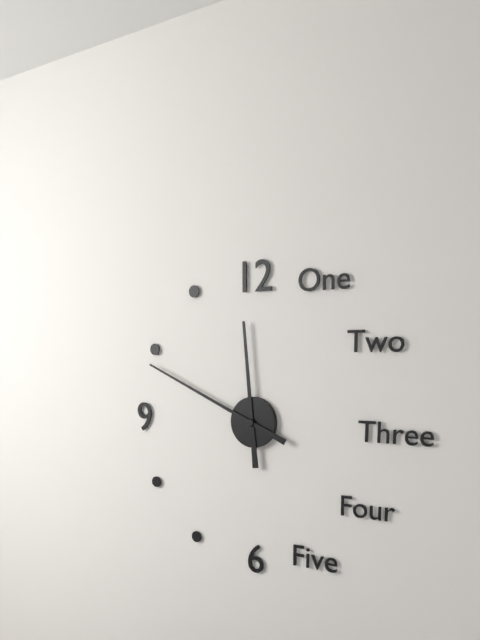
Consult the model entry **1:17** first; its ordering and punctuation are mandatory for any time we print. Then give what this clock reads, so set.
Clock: **11:49**
